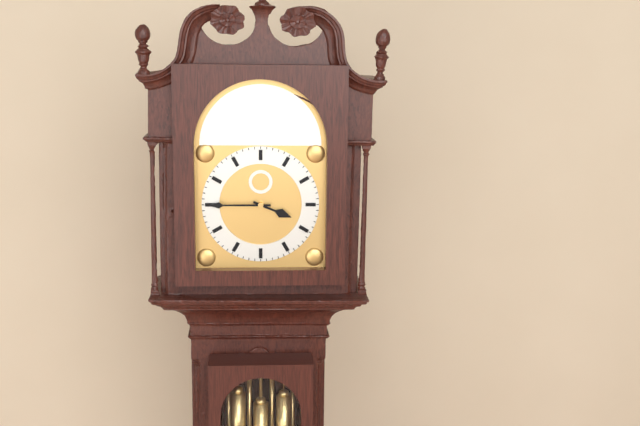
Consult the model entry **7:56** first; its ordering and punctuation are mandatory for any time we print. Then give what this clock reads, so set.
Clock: **3:45**
